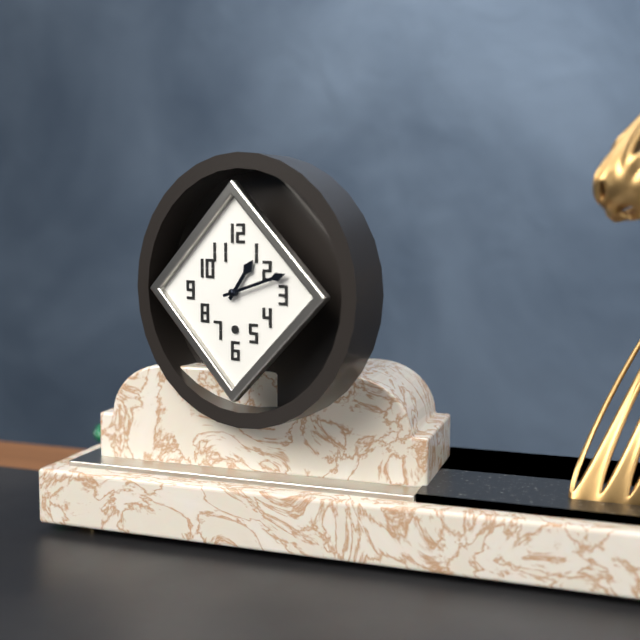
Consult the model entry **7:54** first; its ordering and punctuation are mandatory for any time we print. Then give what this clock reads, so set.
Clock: **1:12**
